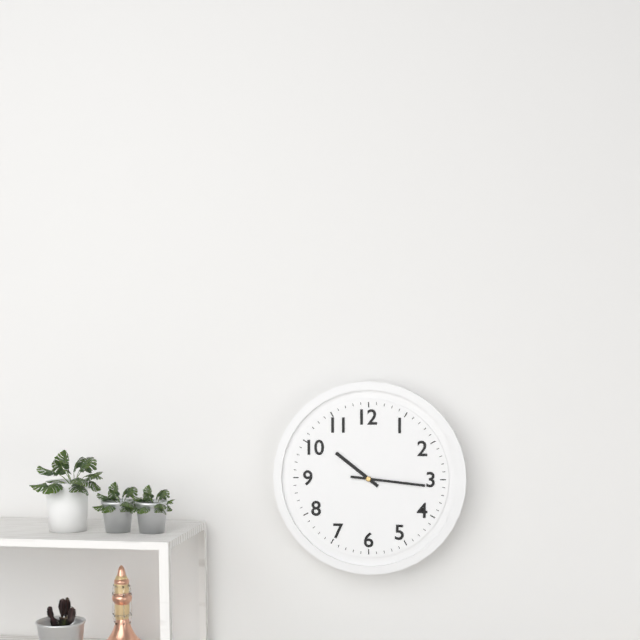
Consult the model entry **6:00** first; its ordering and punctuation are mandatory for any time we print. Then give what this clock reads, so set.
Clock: **10:16**
